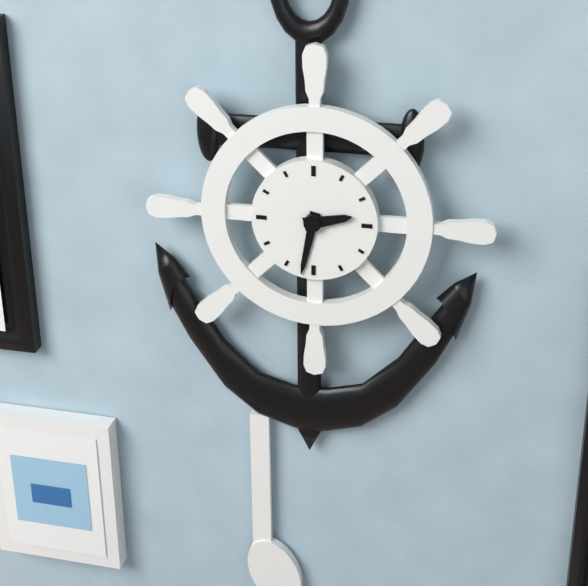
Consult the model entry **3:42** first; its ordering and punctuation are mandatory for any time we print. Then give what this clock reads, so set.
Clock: **2:32**
